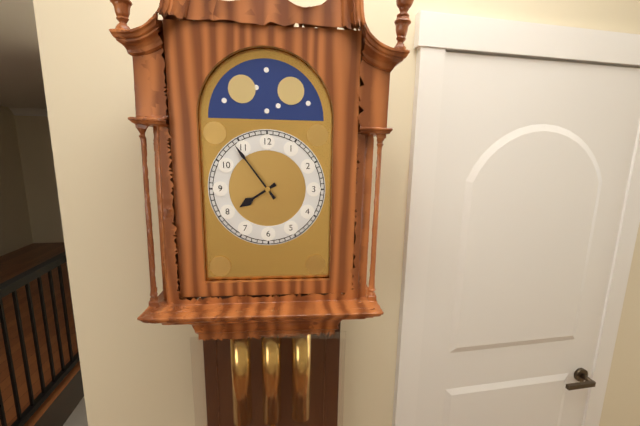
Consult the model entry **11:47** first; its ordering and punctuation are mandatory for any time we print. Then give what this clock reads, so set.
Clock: **7:54**
